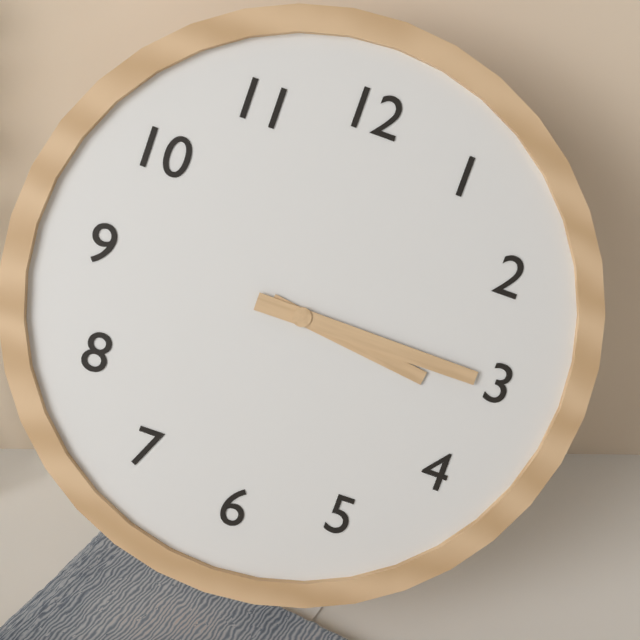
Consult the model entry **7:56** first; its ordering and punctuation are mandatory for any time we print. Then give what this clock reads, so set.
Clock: **3:15**
